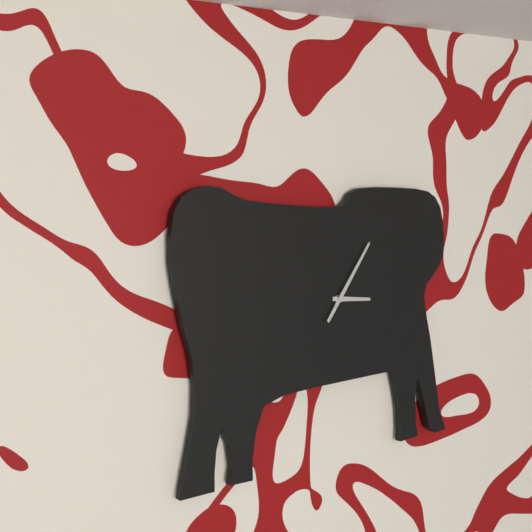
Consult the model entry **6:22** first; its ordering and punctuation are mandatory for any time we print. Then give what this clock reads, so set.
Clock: **3:06**
